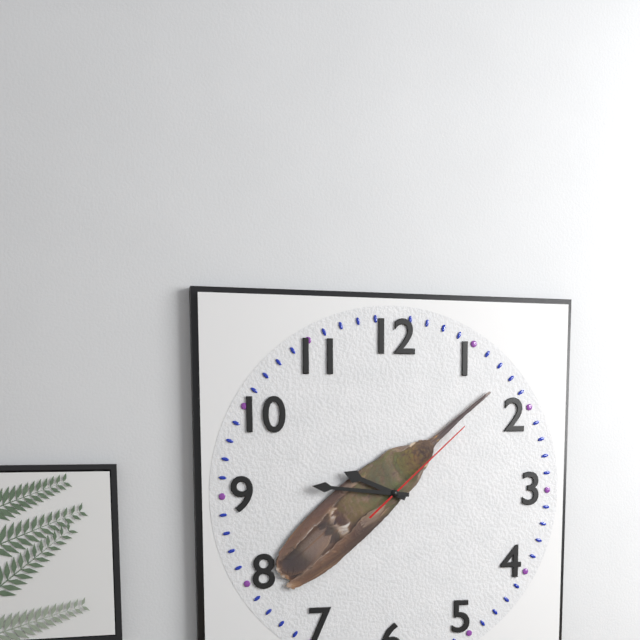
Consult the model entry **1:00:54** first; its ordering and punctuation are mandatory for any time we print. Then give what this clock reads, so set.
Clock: **9:46:08**
